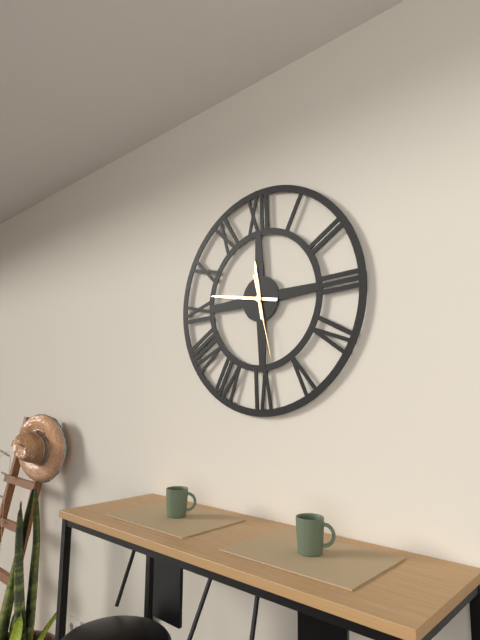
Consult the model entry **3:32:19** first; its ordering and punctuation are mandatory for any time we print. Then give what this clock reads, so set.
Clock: **11:47:28**
